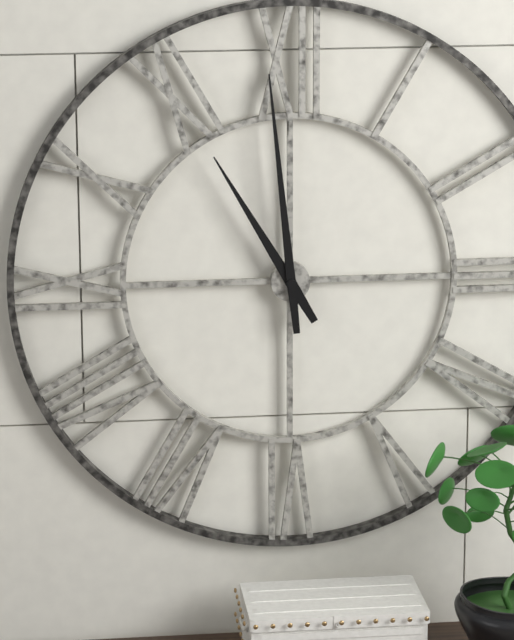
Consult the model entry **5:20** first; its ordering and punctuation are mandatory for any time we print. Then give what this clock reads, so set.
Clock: **10:59**
